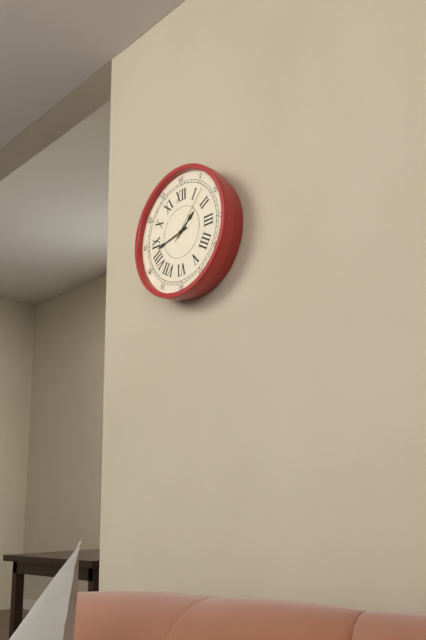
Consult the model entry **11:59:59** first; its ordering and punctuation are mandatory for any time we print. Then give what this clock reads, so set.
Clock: **1:43:07**
